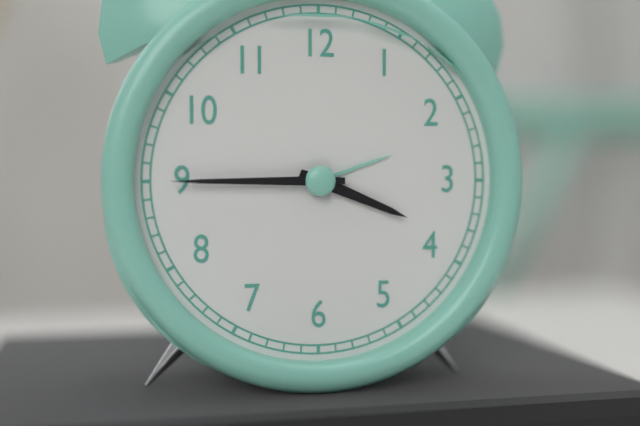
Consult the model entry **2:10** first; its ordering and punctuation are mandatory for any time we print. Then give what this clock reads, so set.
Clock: **3:45**
